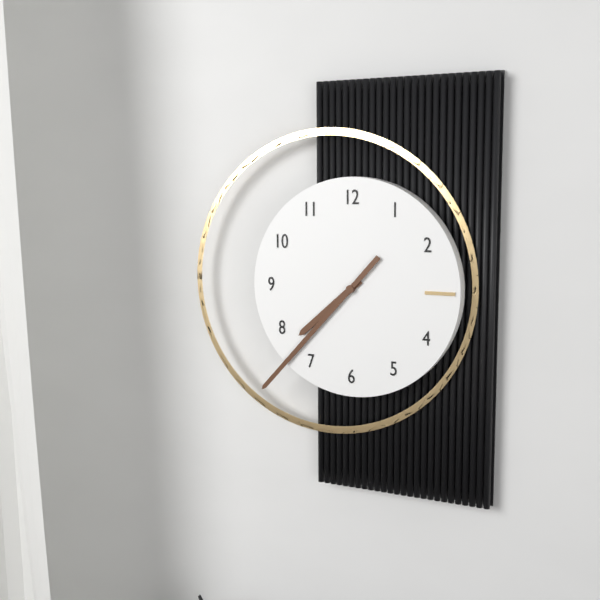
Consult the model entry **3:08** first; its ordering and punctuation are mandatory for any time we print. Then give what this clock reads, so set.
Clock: **7:37**
